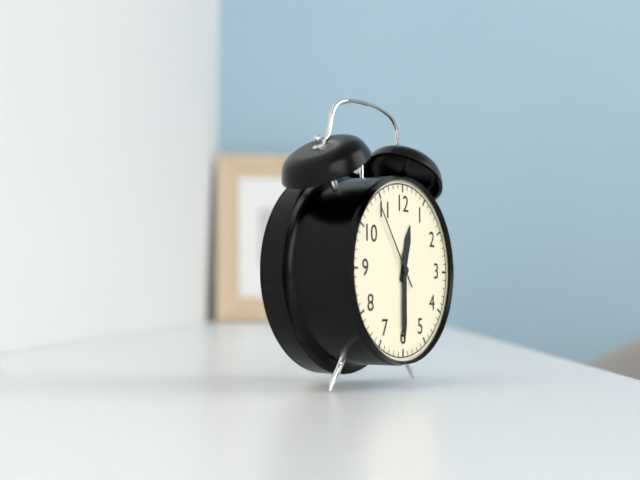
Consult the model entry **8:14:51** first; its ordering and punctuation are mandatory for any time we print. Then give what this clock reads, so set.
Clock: **12:30:54**
